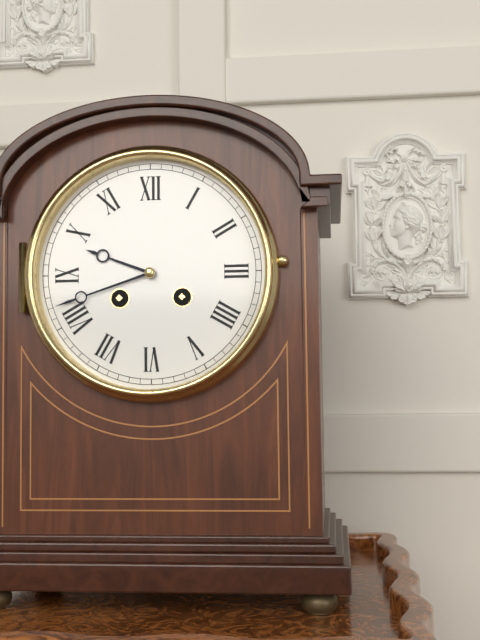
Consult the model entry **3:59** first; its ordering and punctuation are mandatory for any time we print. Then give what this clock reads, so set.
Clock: **9:42**
